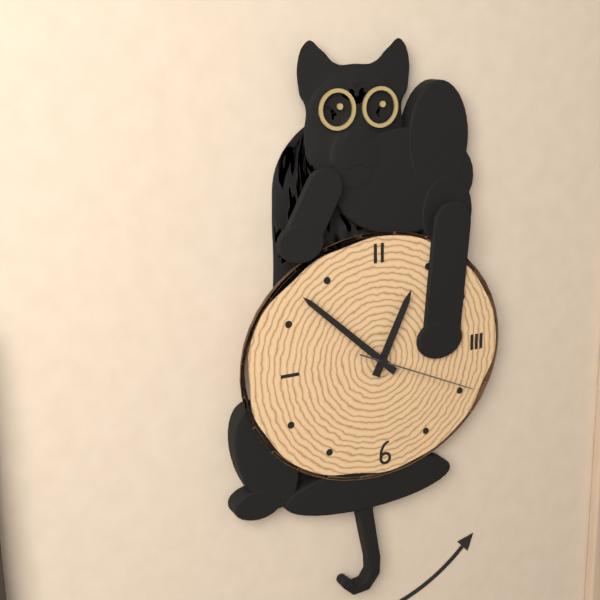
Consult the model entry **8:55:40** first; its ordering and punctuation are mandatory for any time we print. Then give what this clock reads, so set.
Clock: **12:52:19**
